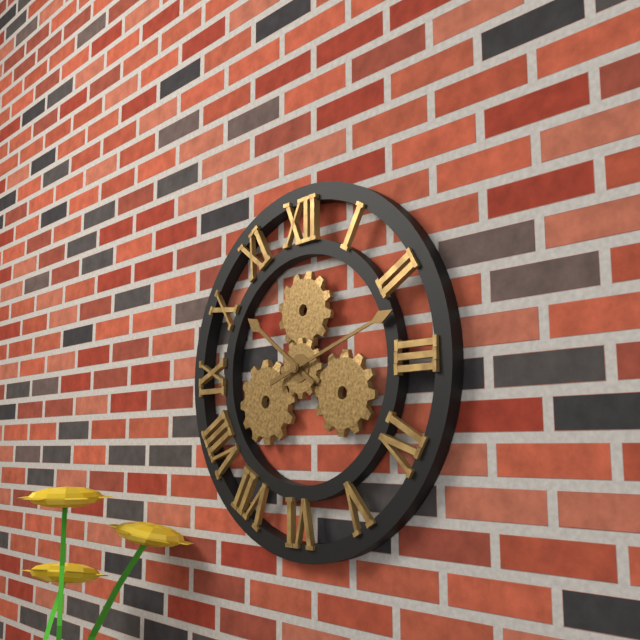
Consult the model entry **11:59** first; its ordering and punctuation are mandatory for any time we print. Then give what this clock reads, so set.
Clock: **10:12**
